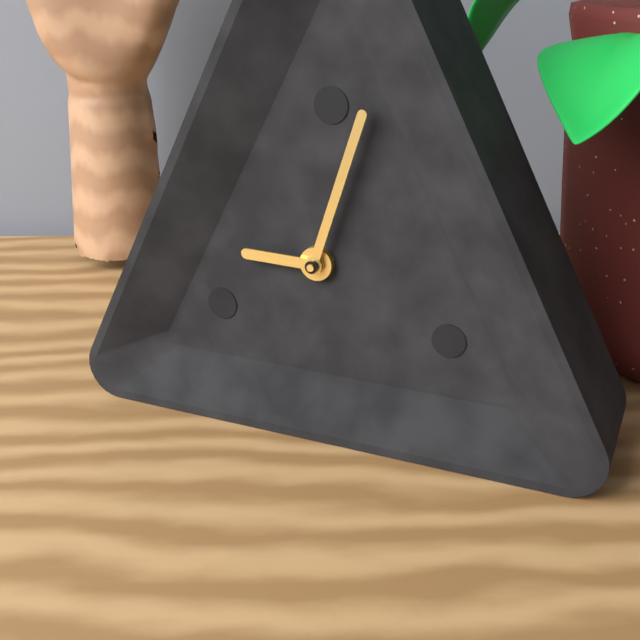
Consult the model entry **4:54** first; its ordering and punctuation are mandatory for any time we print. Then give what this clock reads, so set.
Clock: **9:03**
